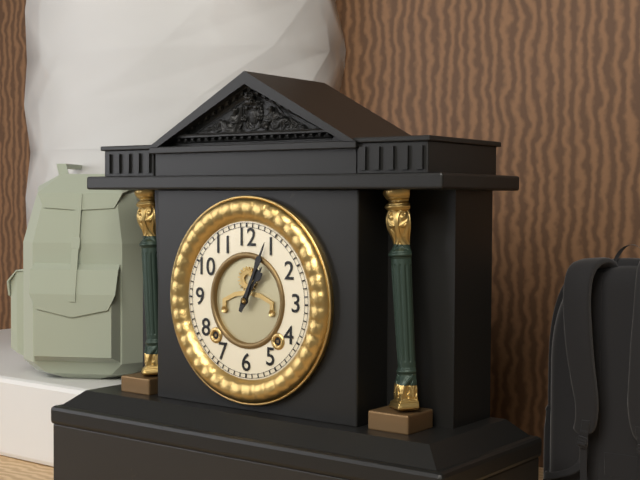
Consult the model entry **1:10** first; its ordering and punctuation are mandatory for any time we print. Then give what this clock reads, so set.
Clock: **1:04**
